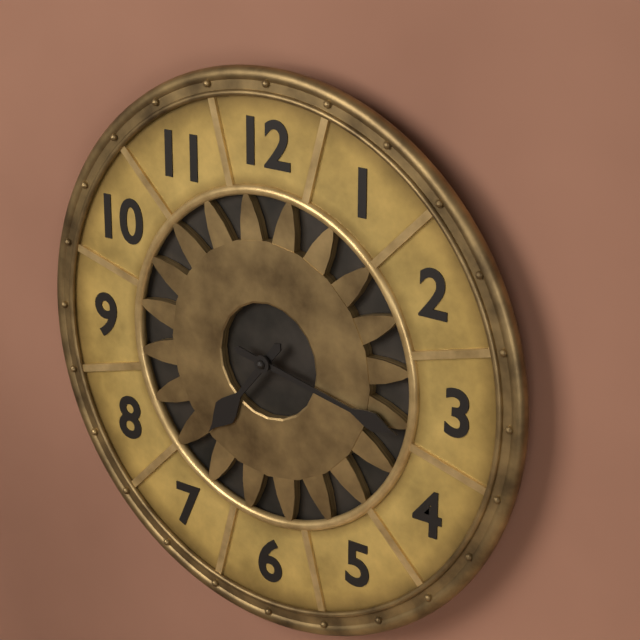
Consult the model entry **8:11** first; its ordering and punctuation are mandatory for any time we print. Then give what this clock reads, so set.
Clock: **7:17**
